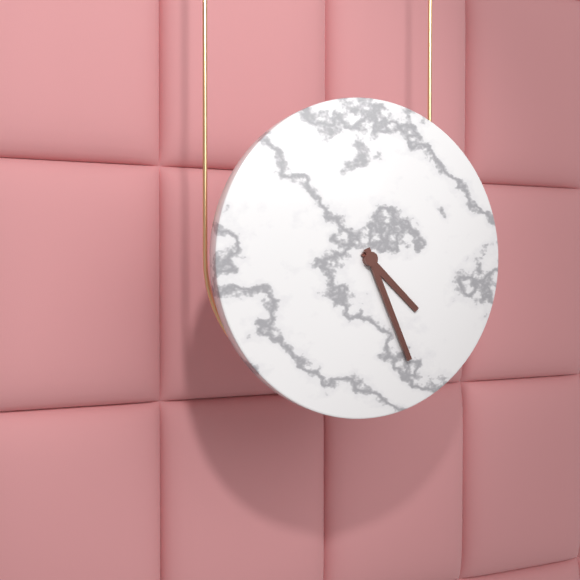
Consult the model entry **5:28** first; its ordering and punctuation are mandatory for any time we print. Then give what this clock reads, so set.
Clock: **4:26**
